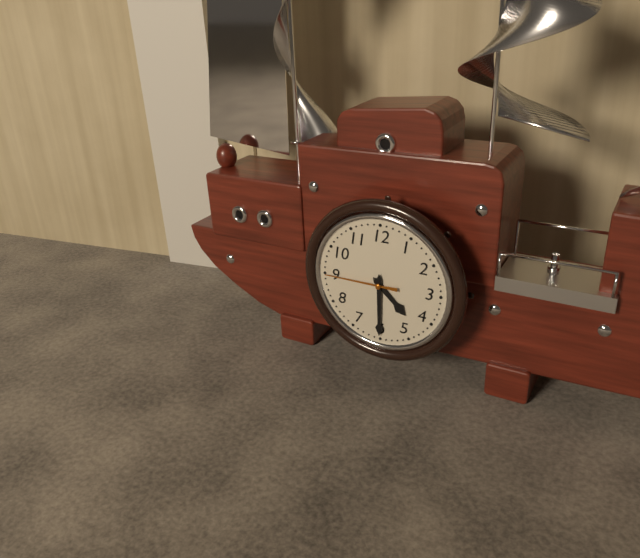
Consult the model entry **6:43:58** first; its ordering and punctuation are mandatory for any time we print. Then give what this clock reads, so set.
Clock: **4:30:45**
